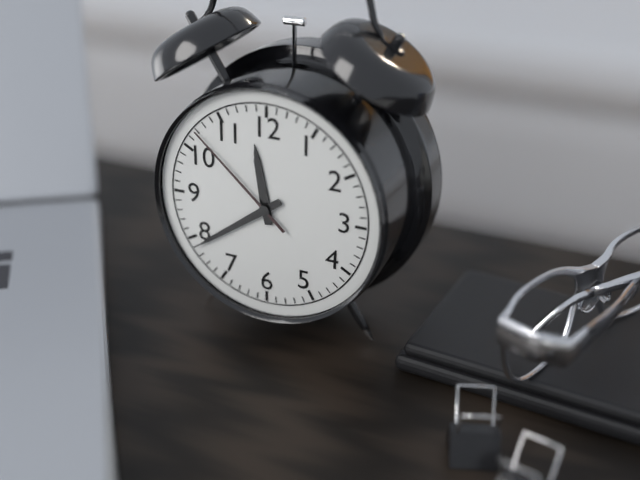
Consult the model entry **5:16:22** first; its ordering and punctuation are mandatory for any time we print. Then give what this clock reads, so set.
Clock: **11:39:52**
